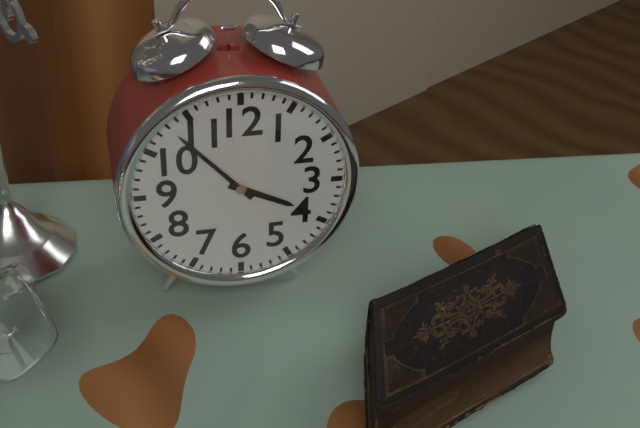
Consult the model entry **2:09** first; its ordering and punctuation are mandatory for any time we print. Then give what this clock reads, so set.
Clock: **3:53**
